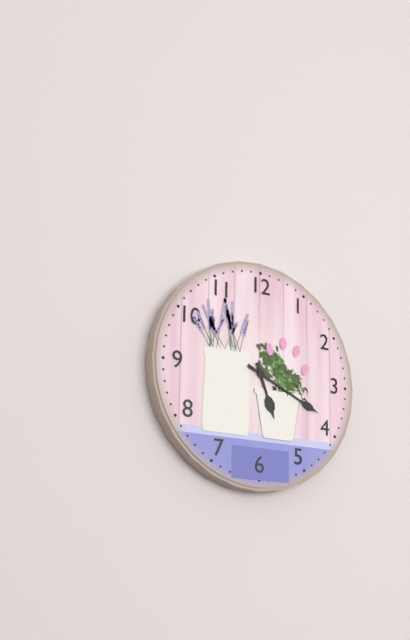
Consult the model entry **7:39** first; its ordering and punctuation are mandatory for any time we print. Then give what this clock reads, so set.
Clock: **5:19**
